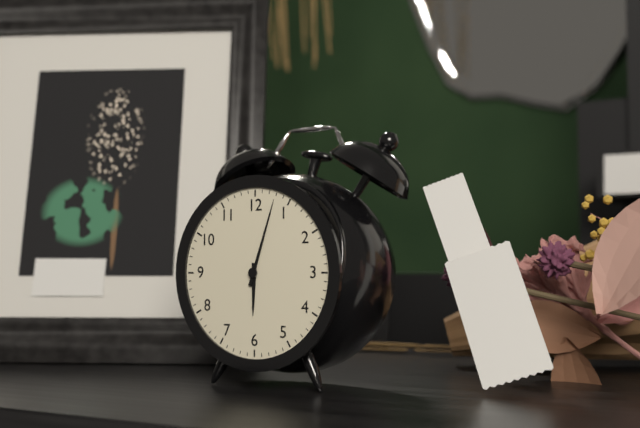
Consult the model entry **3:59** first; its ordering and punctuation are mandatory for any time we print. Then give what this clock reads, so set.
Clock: **6:03**
